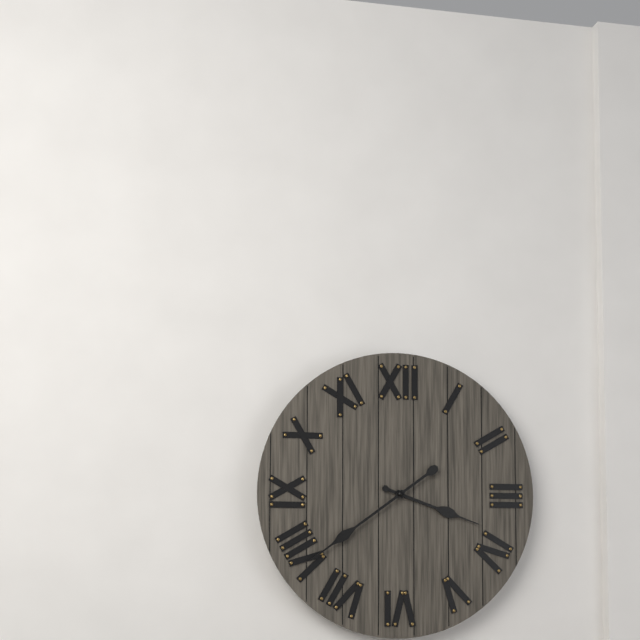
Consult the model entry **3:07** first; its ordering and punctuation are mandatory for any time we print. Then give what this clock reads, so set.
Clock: **3:39**
